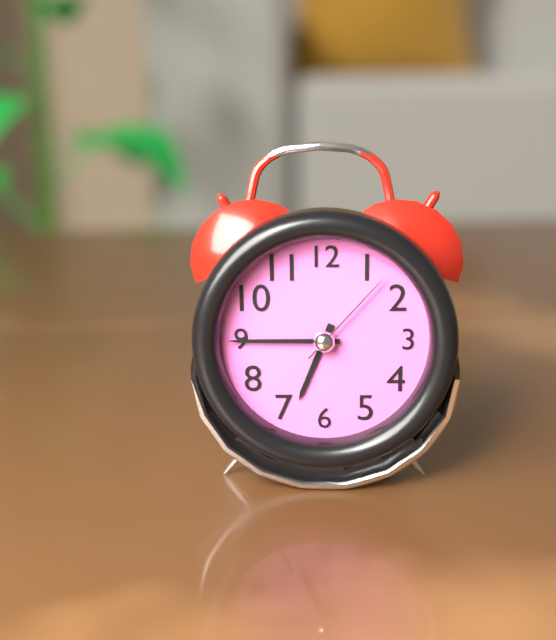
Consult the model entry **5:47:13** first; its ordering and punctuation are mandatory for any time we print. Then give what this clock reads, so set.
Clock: **6:45:07**
